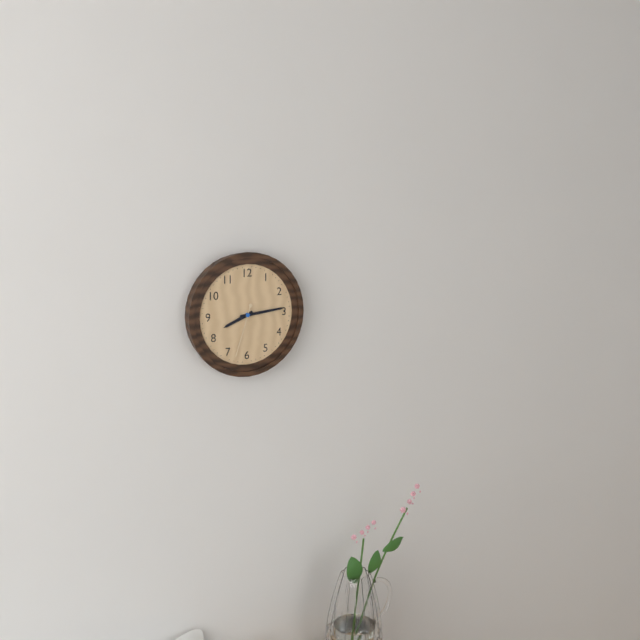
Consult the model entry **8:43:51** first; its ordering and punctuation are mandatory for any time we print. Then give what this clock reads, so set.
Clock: **8:14:33**
